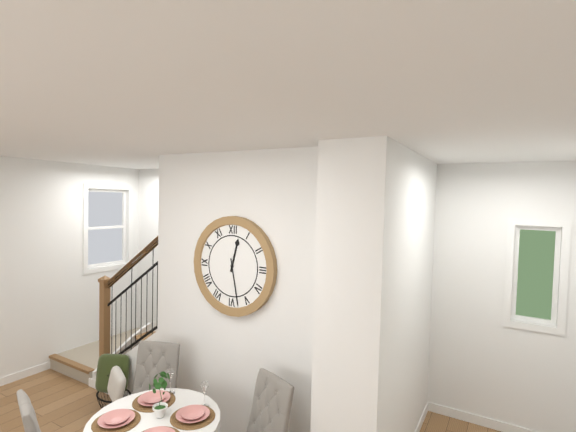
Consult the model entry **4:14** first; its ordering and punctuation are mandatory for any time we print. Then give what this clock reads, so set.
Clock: **12:28**
